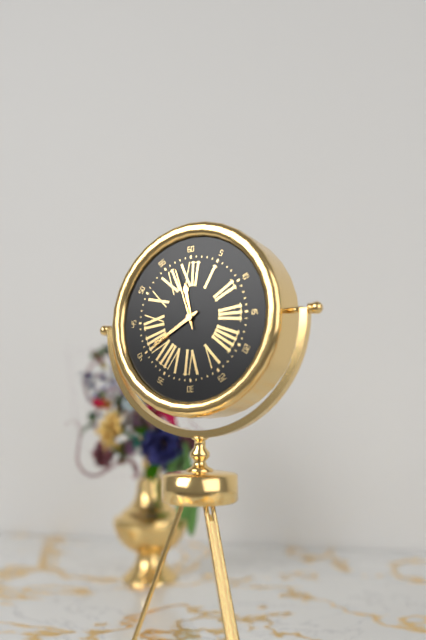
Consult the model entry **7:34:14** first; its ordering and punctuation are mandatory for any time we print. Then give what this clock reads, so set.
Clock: **11:40:57**
